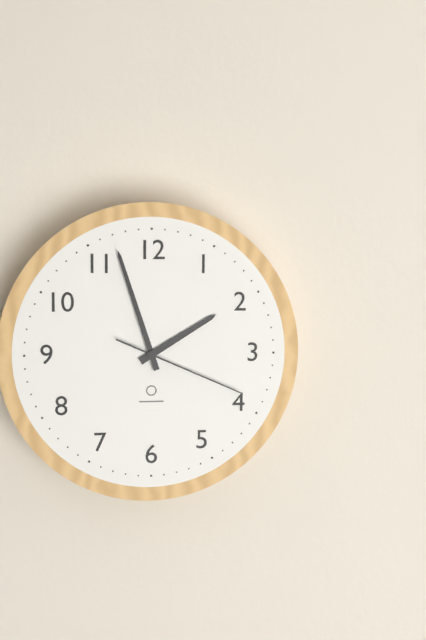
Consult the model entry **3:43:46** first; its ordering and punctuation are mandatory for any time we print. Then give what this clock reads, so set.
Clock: **1:57:19**
